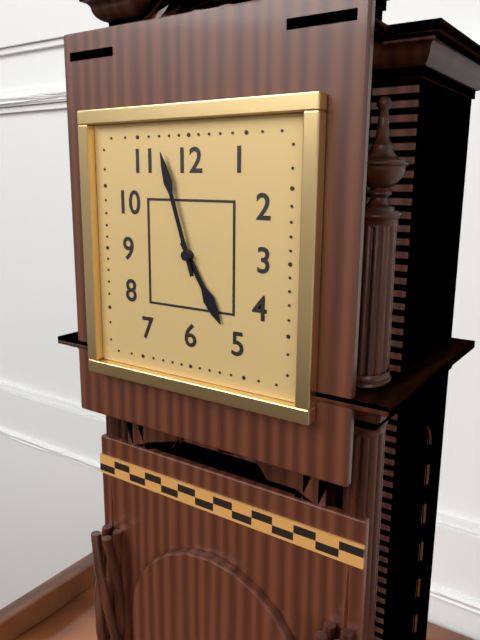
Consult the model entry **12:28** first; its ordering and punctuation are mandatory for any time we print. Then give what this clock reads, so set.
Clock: **4:57**
